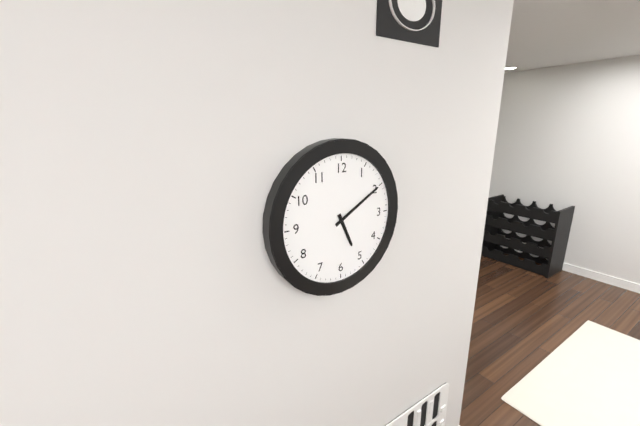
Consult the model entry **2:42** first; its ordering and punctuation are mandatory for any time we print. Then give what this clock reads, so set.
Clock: **5:10**
